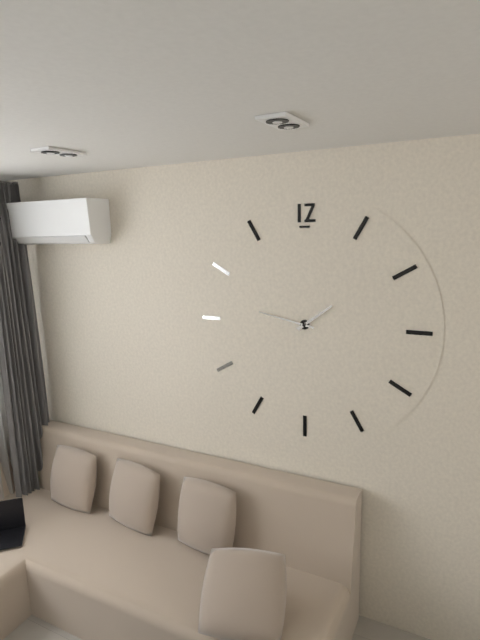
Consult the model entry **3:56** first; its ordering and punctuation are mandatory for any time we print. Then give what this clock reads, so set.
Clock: **1:47**
